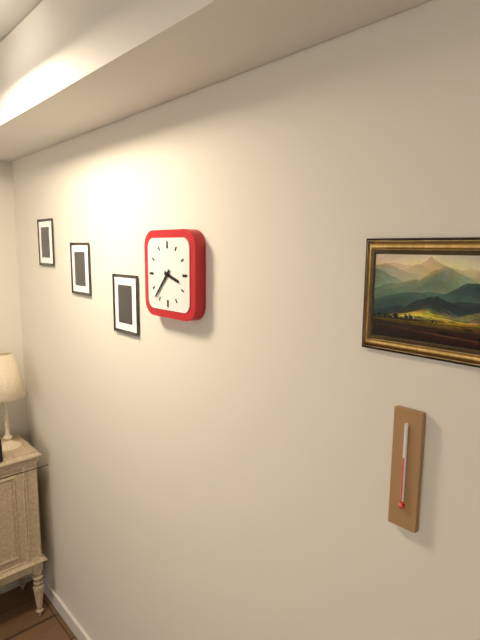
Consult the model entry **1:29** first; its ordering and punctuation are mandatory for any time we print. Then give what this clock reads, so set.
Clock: **3:37**
